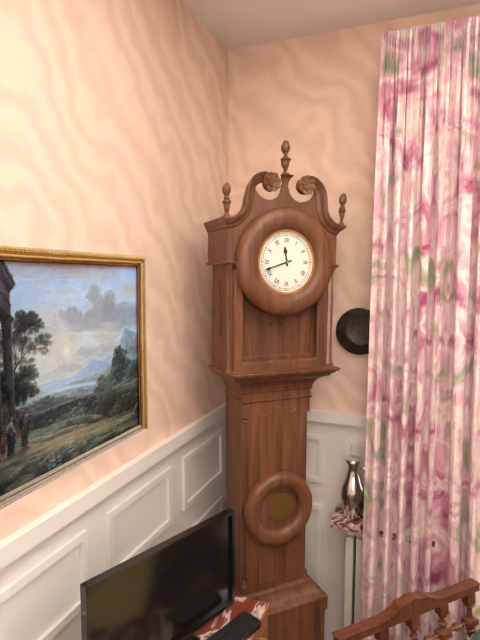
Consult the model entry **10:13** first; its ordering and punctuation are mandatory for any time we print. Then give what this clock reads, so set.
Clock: **11:42**
